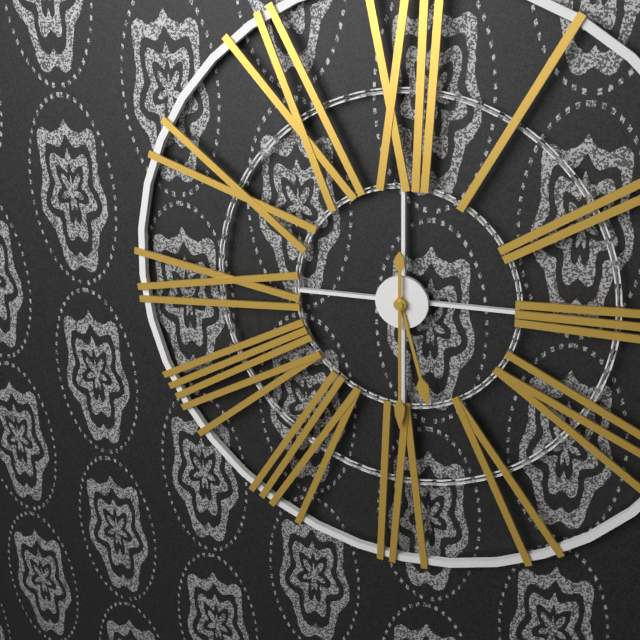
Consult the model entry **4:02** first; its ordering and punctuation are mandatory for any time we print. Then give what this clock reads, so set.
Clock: **5:30**
